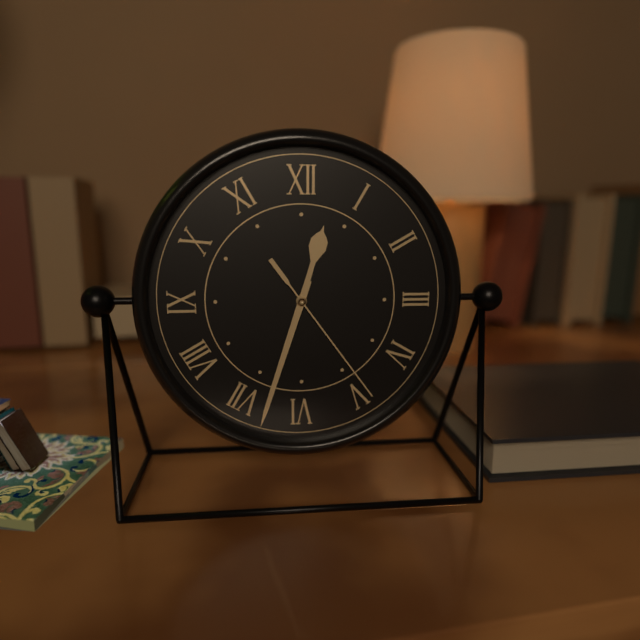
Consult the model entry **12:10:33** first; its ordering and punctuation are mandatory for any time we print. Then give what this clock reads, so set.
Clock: **12:33:24**
